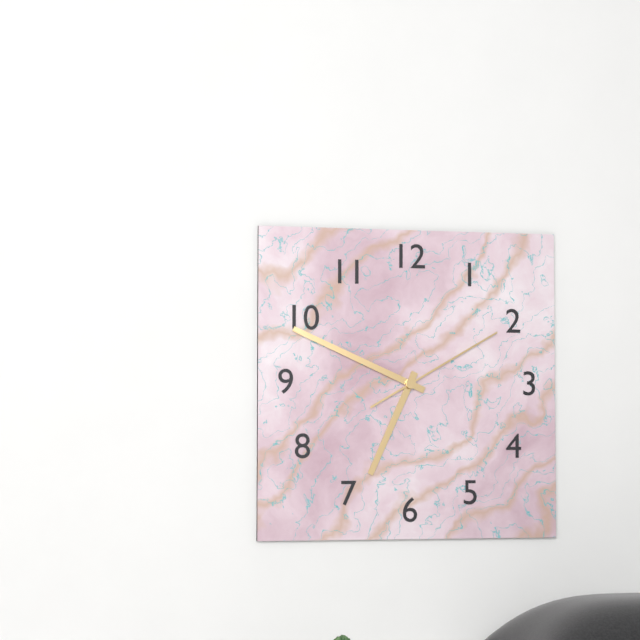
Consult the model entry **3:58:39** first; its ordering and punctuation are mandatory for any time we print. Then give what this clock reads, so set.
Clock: **6:49:10**
